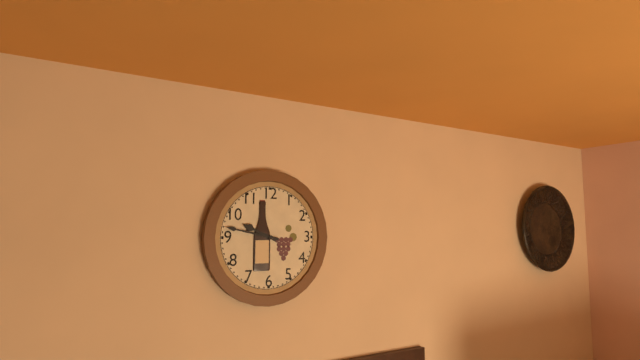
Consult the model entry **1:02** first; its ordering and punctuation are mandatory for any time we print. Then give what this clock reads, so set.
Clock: **9:47**
